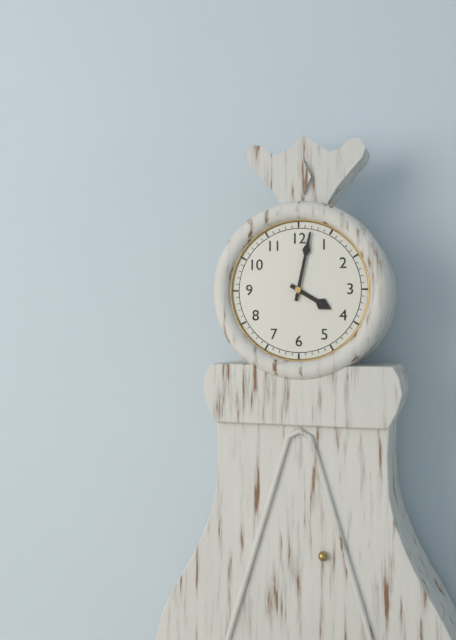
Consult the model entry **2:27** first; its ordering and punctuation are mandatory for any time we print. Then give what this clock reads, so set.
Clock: **4:02**
